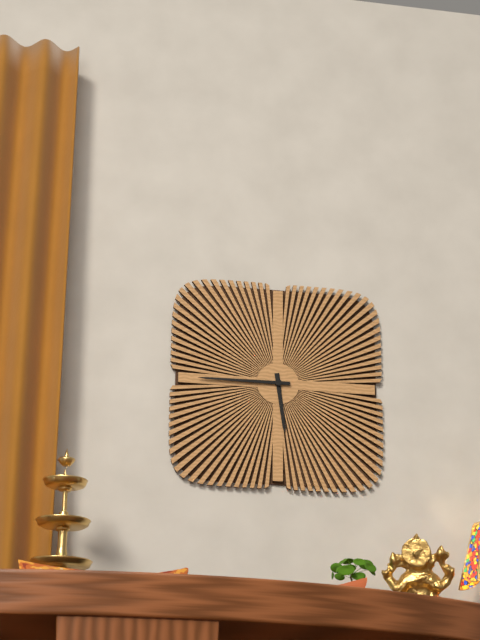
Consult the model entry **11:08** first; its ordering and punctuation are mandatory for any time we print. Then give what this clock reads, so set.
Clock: **5:45**
